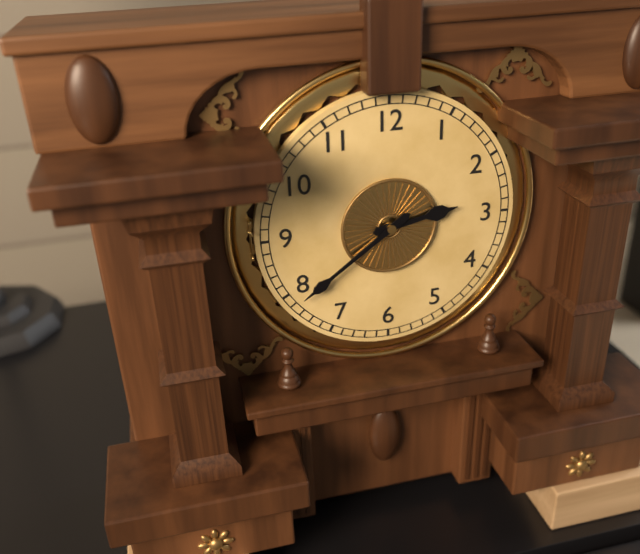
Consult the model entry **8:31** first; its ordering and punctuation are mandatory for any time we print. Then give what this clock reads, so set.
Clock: **2:39**
